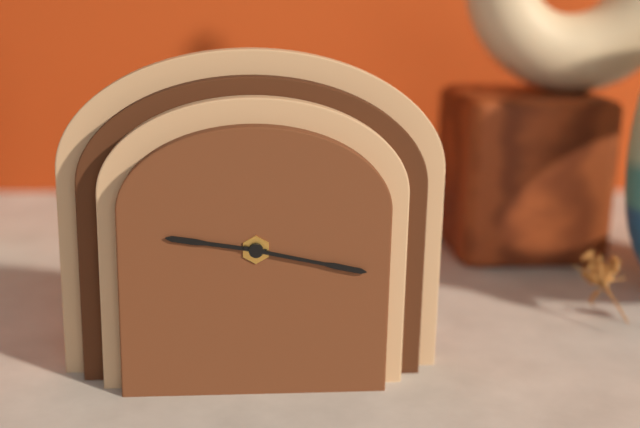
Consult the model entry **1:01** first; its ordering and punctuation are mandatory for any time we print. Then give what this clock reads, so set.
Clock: **9:17**
